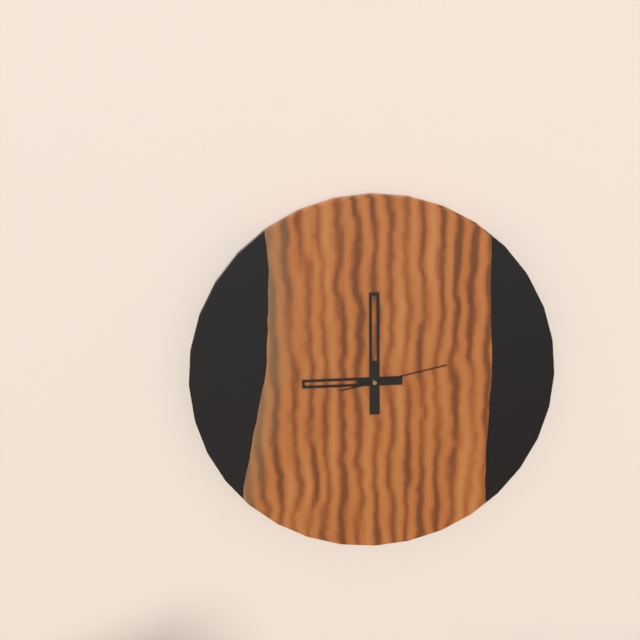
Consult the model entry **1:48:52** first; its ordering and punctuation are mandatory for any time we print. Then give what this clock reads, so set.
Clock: **9:00:13**
